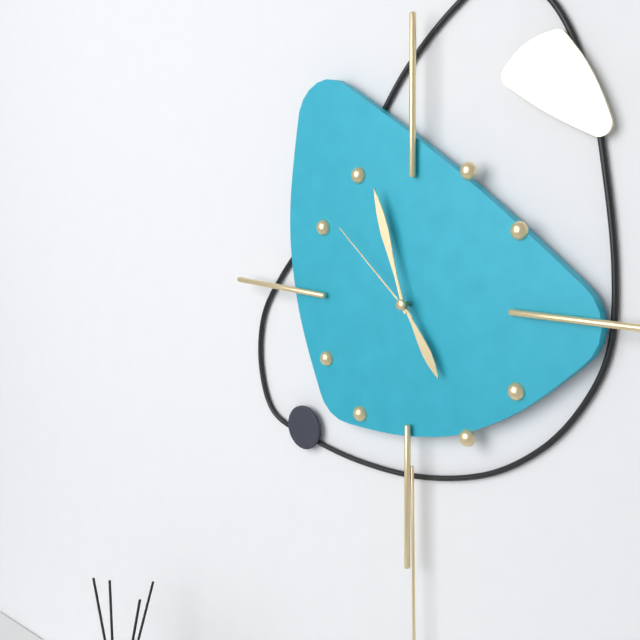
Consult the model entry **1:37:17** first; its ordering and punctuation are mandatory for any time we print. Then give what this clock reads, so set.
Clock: **4:57:52**
